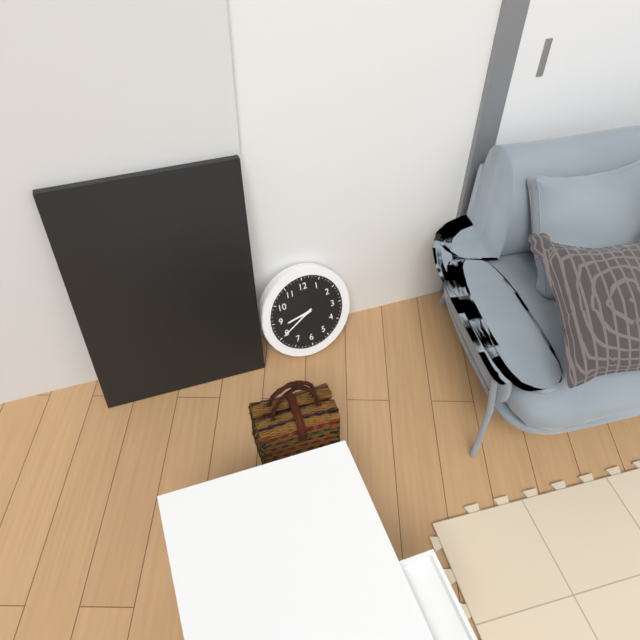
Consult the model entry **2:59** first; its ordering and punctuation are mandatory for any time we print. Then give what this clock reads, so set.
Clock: **8:40**
